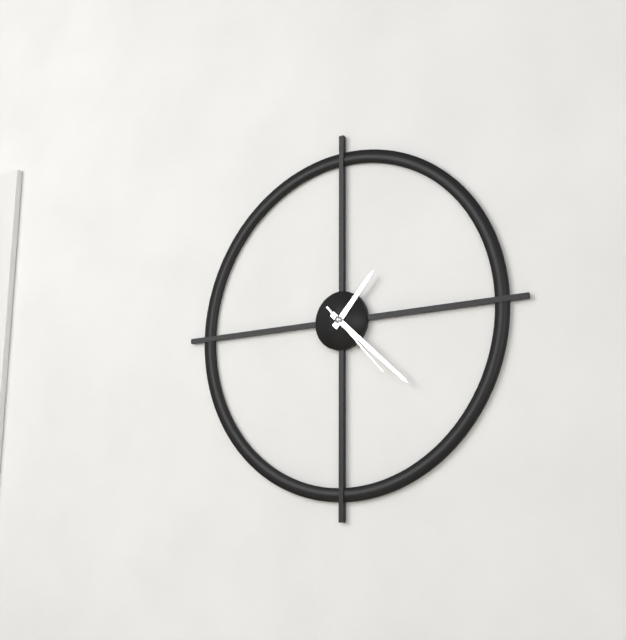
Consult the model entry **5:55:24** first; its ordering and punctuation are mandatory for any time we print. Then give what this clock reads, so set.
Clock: **1:22:23**
